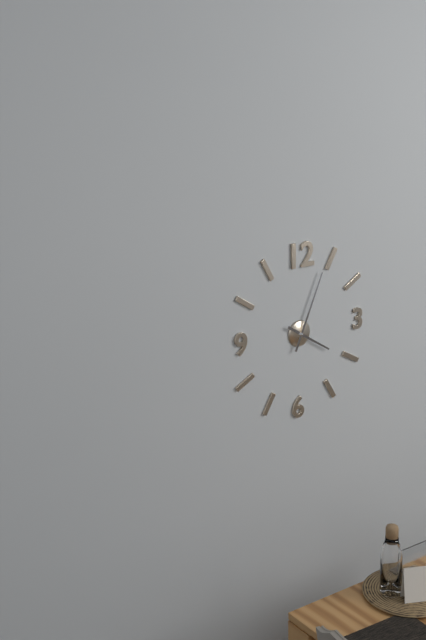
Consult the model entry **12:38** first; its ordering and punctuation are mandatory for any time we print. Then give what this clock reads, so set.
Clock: **4:04**
